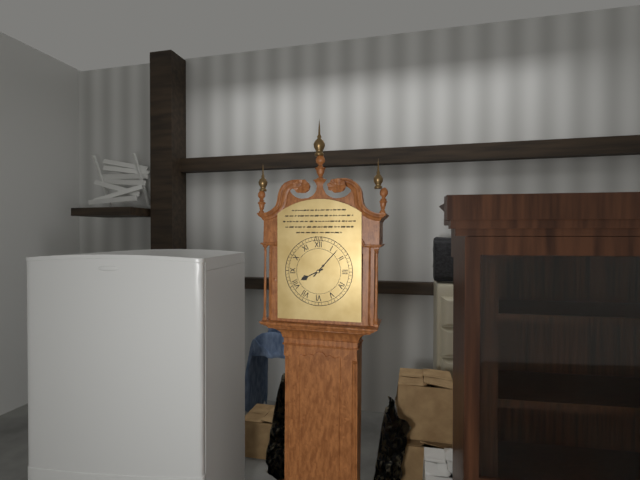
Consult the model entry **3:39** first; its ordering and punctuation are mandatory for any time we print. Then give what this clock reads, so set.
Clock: **8:07**
